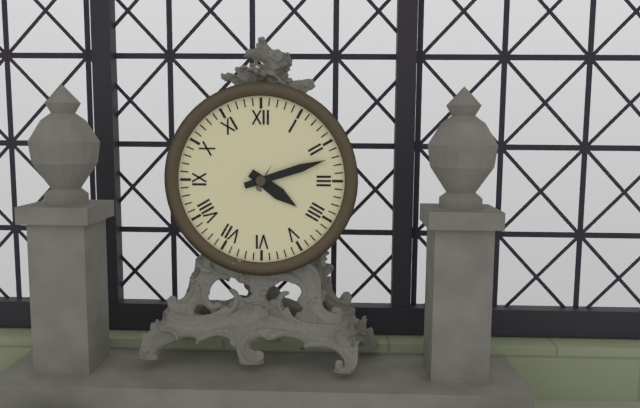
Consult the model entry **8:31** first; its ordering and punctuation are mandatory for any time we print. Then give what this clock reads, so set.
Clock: **4:12**
